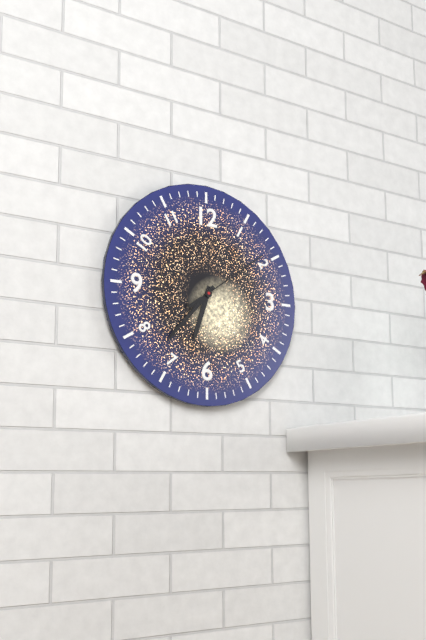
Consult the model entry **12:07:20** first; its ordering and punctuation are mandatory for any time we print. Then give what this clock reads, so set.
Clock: **6:37:09**
